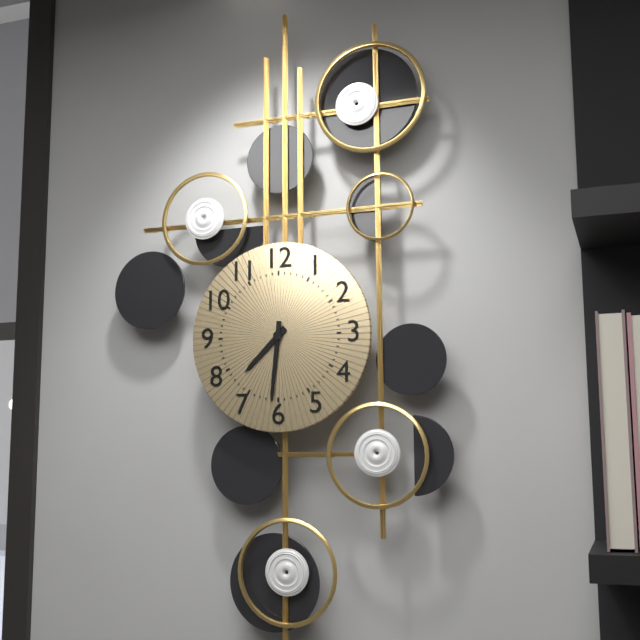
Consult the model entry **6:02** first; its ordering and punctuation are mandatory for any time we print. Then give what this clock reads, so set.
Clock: **7:31**
